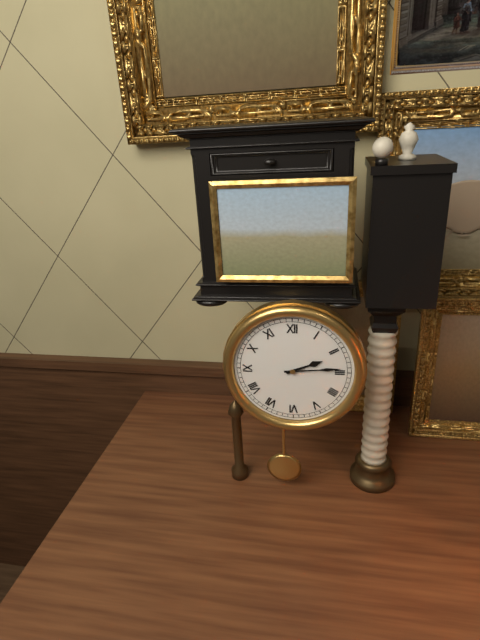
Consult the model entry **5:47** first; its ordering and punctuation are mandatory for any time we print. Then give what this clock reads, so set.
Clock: **2:14**
